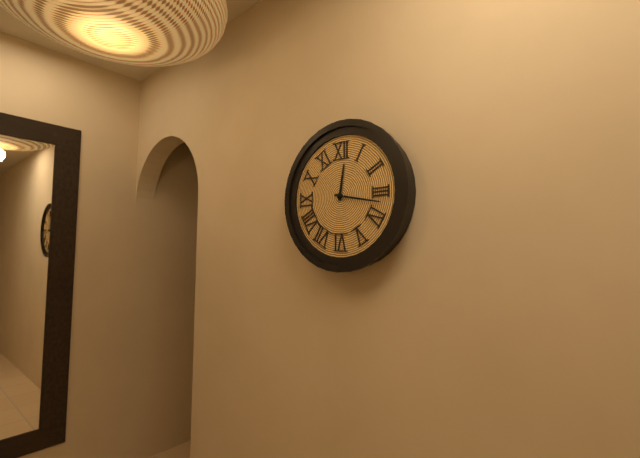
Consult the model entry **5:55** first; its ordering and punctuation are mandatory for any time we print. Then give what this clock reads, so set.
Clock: **12:17**
